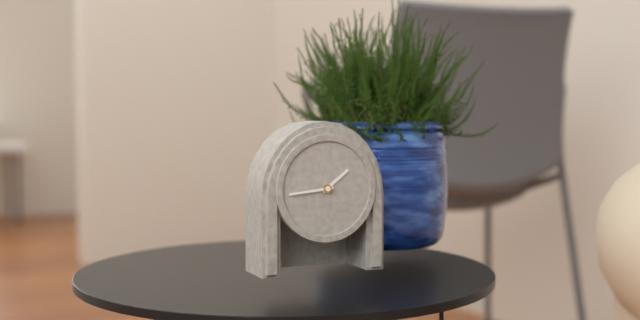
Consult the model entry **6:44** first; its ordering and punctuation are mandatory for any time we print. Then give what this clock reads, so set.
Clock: **1:44**
